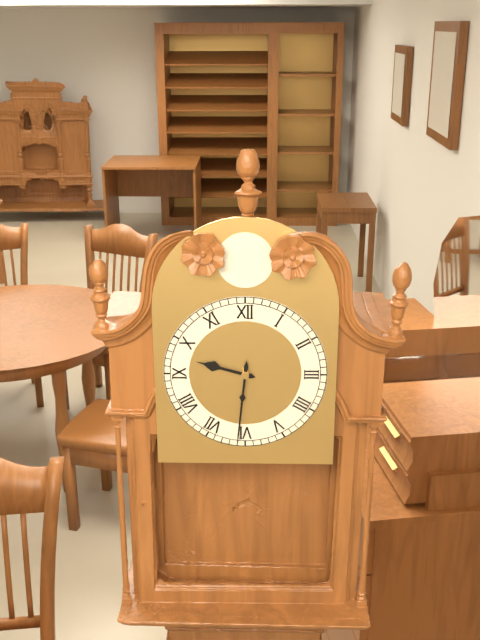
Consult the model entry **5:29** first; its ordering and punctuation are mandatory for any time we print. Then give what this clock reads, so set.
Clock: **9:31**
